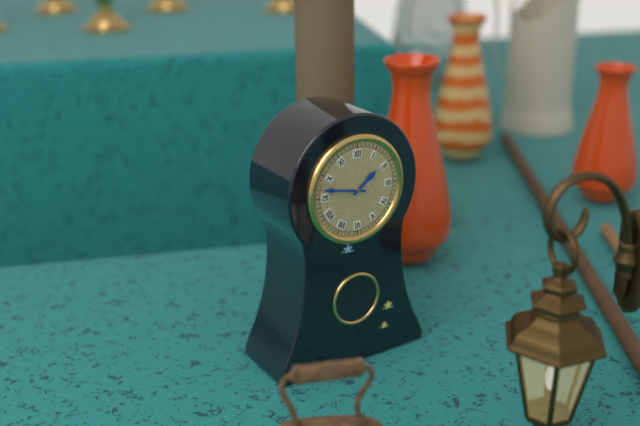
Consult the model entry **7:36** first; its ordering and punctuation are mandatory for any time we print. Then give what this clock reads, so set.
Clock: **1:47**
